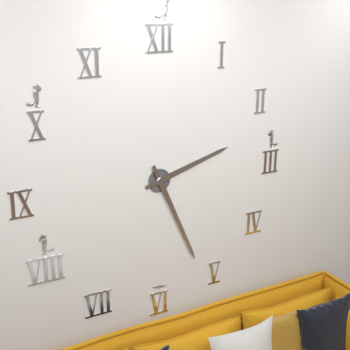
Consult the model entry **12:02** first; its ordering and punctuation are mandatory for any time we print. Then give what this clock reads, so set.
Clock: **2:26**
